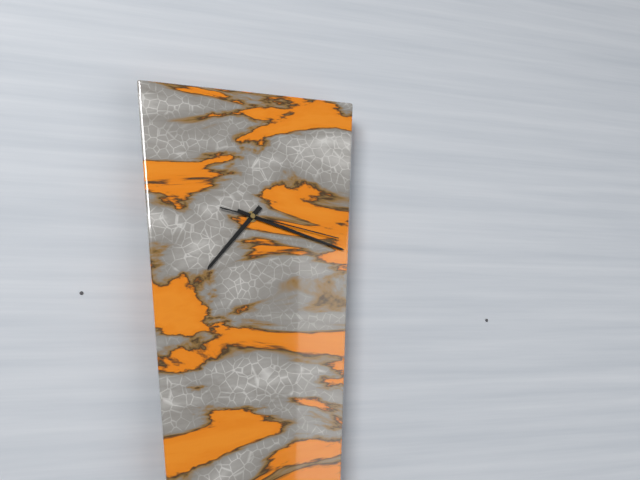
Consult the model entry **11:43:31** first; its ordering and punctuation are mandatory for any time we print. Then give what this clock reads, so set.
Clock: **7:18:17**
